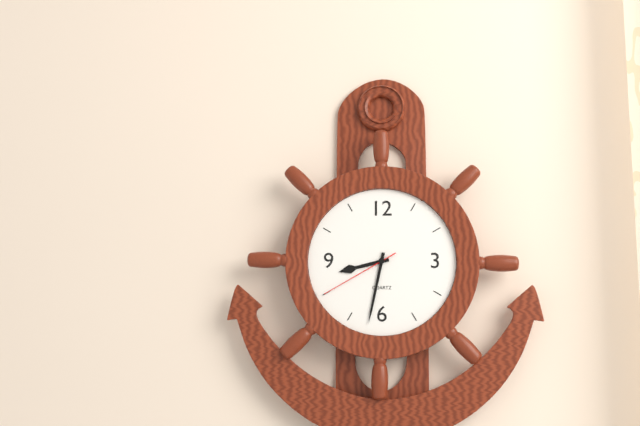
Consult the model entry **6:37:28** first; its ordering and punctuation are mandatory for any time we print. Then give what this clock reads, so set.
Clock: **8:32:40**
